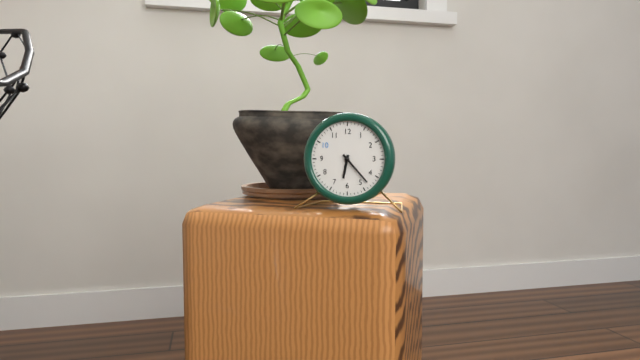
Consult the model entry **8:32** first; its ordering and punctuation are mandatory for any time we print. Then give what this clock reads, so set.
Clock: **6:23**
